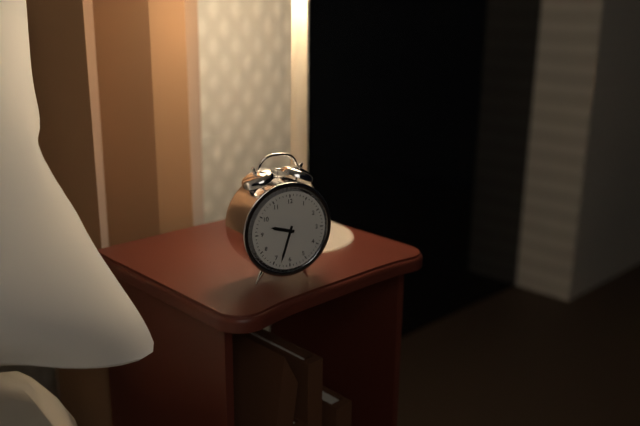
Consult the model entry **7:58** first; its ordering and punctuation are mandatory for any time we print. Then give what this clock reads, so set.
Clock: **9:33**
